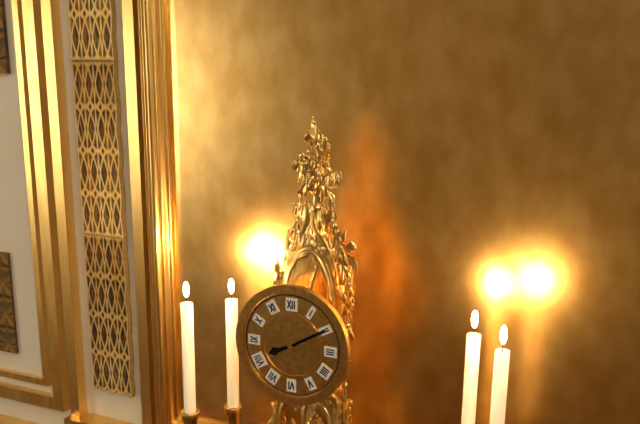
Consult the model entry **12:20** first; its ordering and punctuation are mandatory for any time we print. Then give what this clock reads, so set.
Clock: **8:10**
